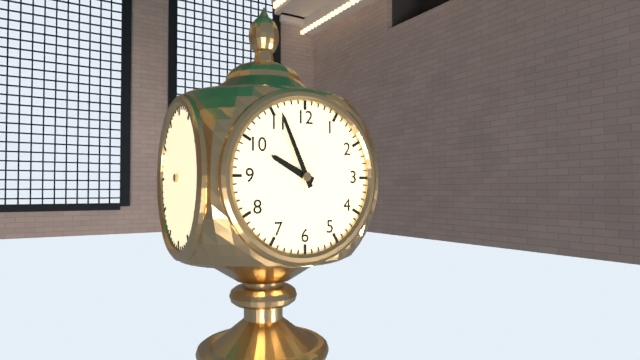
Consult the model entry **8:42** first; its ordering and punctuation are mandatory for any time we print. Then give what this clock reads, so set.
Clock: **9:56**
